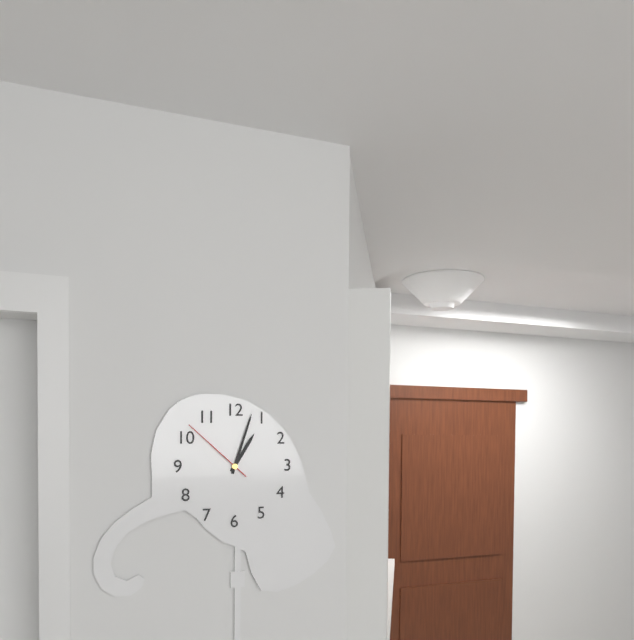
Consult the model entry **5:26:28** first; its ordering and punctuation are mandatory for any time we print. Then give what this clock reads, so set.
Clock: **1:03:52**
